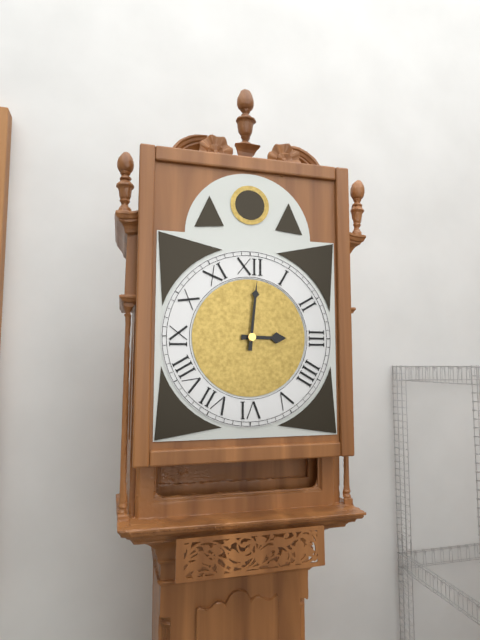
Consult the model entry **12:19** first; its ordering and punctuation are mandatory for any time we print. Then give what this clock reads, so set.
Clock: **3:01**
